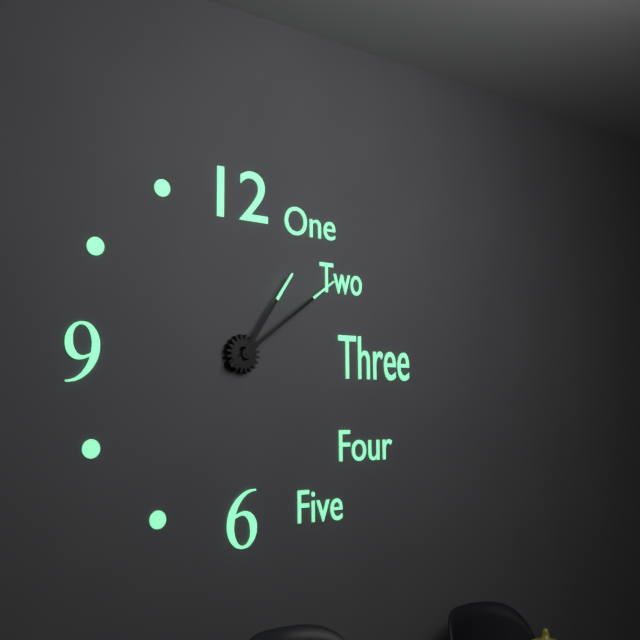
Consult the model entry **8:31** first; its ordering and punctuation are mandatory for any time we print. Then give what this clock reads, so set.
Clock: **1:09**
